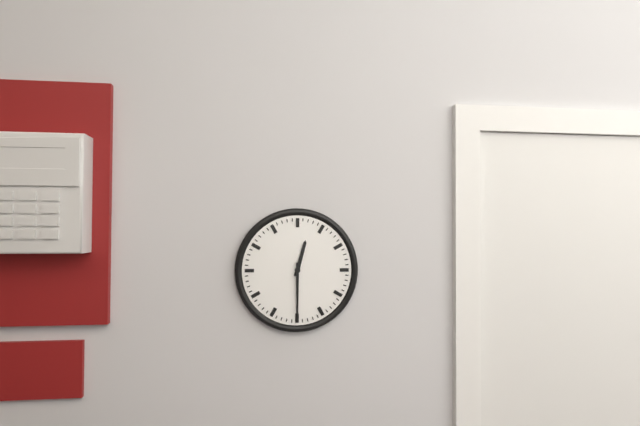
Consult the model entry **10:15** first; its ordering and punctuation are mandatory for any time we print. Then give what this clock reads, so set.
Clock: **12:30**
